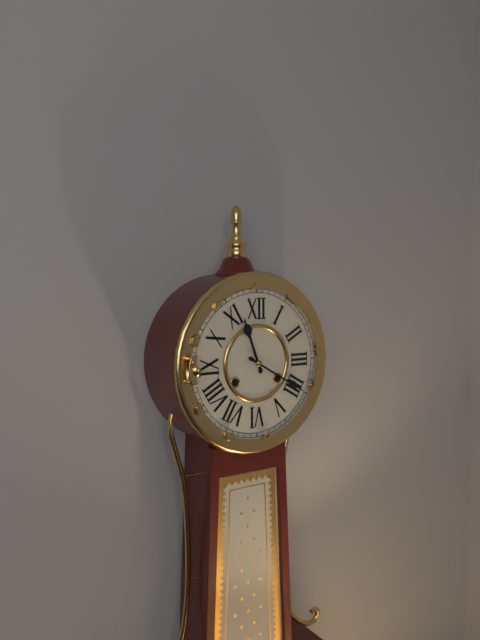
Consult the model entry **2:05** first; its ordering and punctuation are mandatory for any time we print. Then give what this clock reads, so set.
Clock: **11:20**
